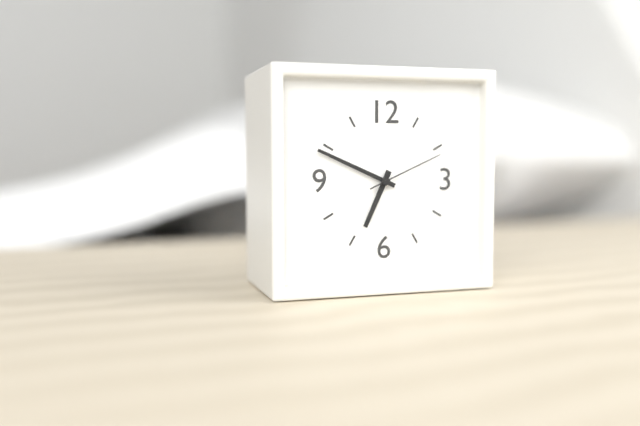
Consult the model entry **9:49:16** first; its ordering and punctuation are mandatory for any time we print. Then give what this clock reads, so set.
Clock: **6:49:11**
